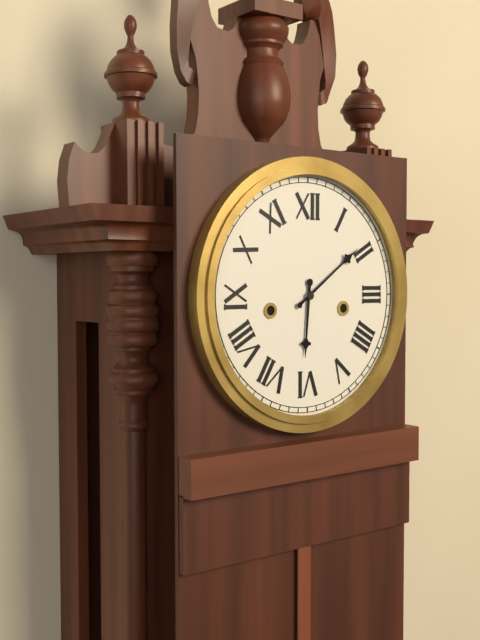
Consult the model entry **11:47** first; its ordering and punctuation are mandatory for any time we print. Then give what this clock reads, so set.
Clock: **6:09**
